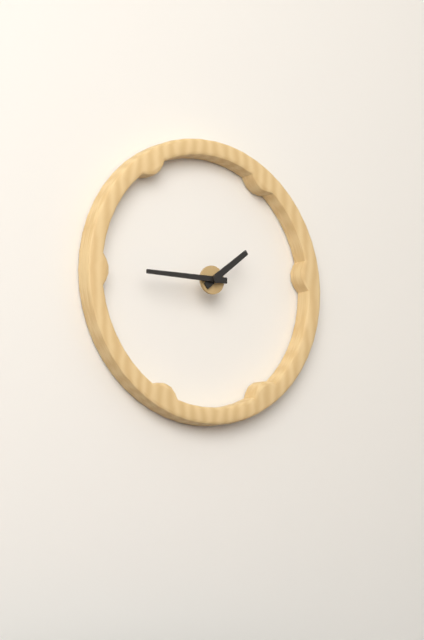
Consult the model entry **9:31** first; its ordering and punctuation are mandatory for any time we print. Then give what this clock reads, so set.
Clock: **1:45**
